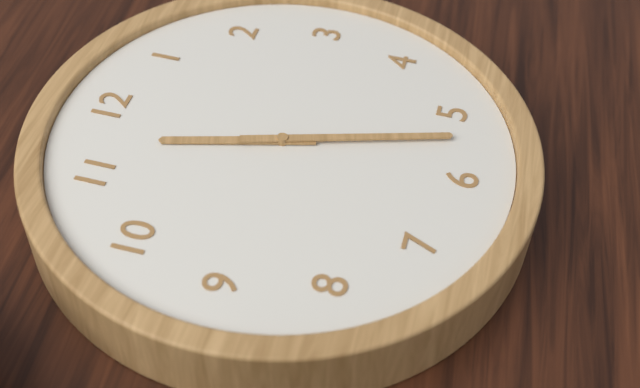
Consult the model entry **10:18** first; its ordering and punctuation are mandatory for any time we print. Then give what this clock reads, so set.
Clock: **11:27**
